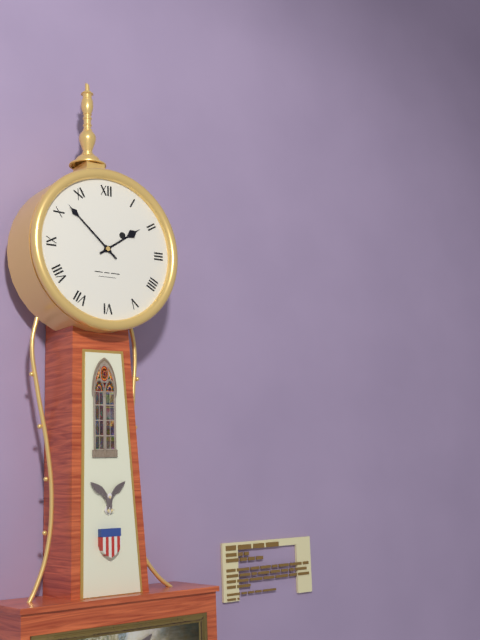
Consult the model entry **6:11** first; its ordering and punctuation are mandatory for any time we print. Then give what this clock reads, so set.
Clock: **1:52**
